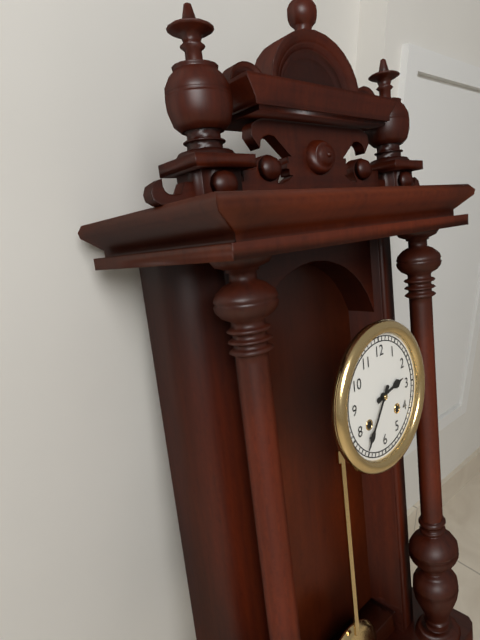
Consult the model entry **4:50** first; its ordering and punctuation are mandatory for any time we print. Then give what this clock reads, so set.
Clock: **2:36**
